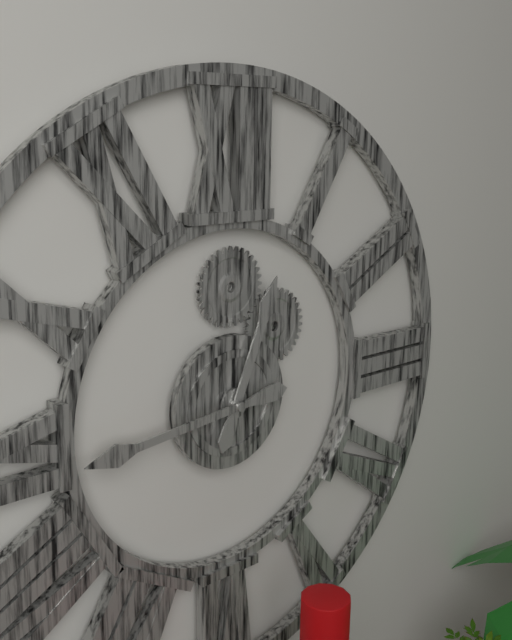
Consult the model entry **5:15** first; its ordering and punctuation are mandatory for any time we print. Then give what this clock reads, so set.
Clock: **12:44**
